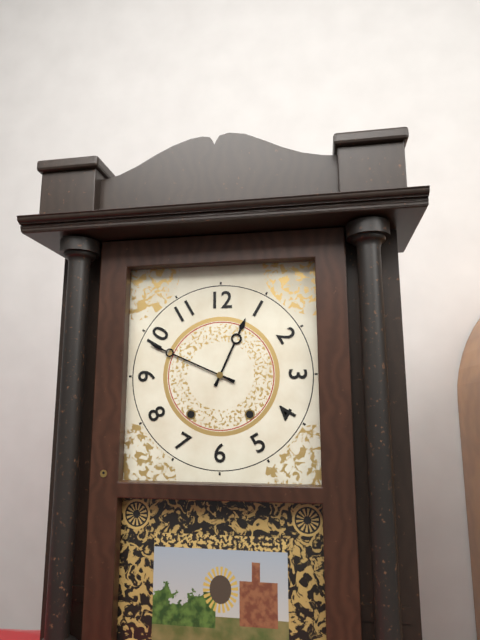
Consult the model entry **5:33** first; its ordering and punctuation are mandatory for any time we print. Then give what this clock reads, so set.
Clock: **12:49**
